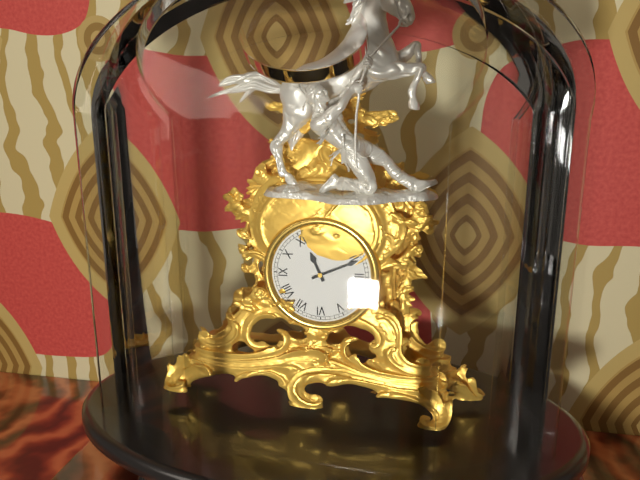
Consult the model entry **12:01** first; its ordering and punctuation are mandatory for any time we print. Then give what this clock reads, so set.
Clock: **11:11**
